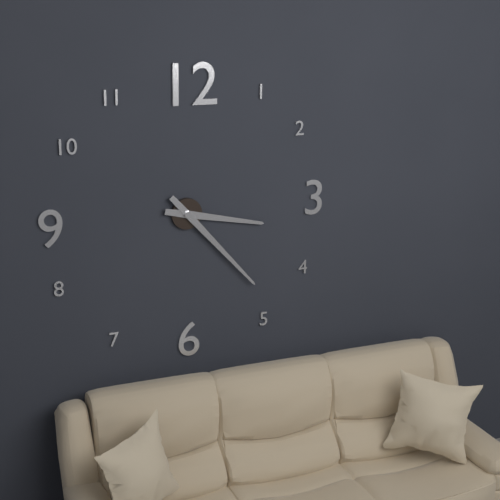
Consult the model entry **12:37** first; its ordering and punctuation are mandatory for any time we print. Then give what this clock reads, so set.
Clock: **3:23**
